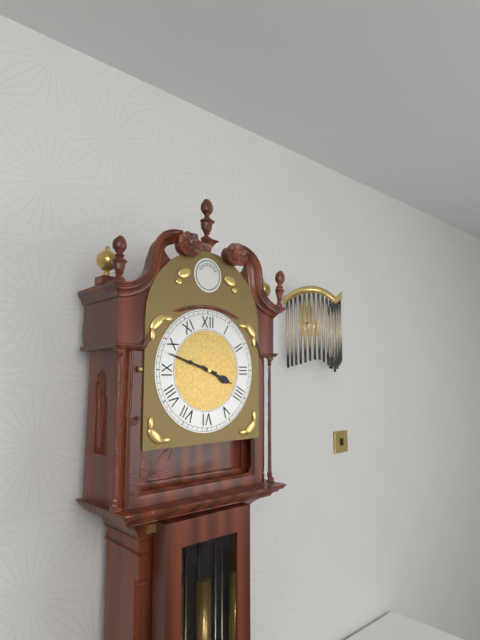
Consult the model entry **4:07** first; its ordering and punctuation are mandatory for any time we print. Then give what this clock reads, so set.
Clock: **3:48**
